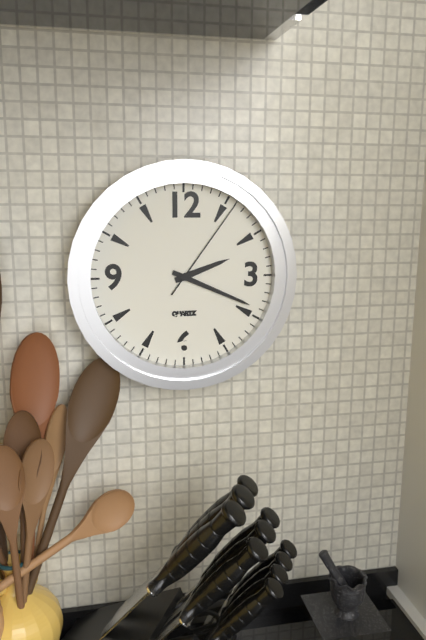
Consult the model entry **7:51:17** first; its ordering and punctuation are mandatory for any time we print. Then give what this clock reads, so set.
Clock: **2:19:06**
